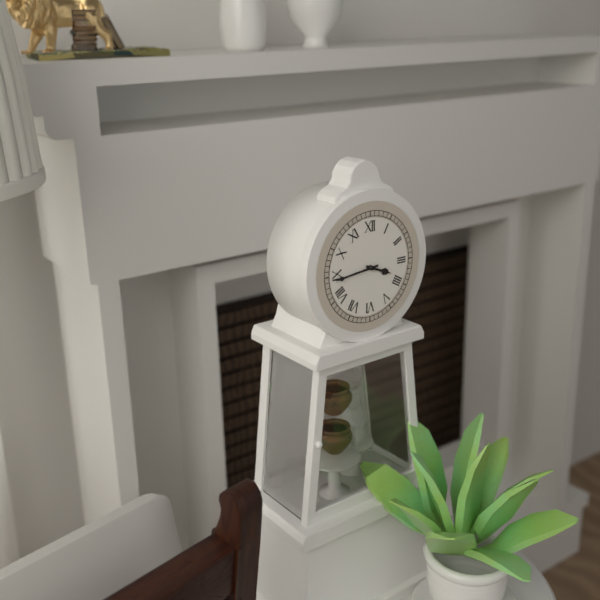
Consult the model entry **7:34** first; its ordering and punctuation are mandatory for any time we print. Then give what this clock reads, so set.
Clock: **3:44**
